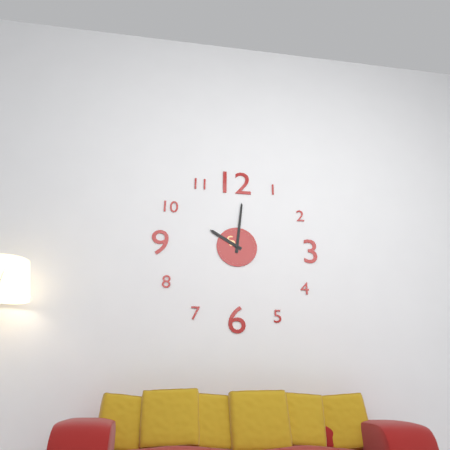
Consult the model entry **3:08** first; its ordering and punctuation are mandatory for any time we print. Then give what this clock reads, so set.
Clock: **10:01**
